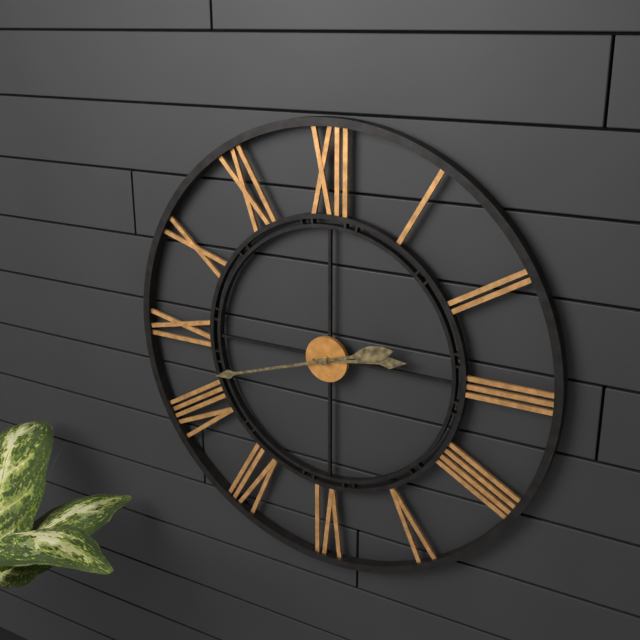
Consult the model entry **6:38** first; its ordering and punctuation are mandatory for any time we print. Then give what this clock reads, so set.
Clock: **2:42**
